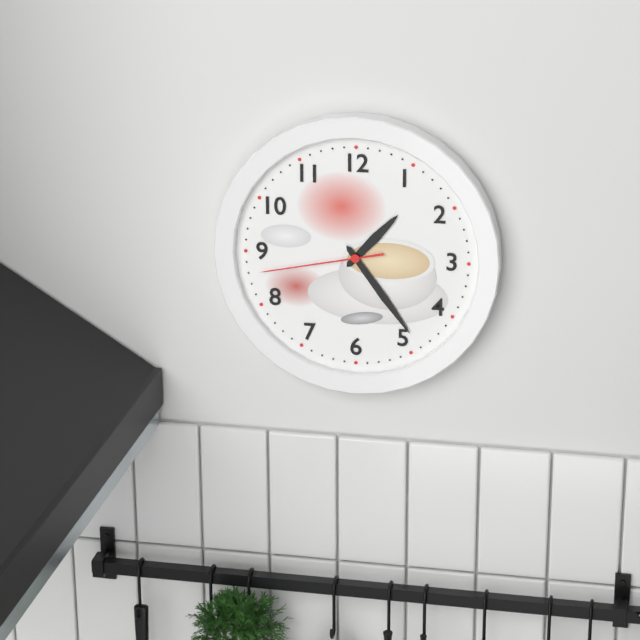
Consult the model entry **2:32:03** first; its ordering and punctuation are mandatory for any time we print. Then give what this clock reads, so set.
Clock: **1:24:43**
